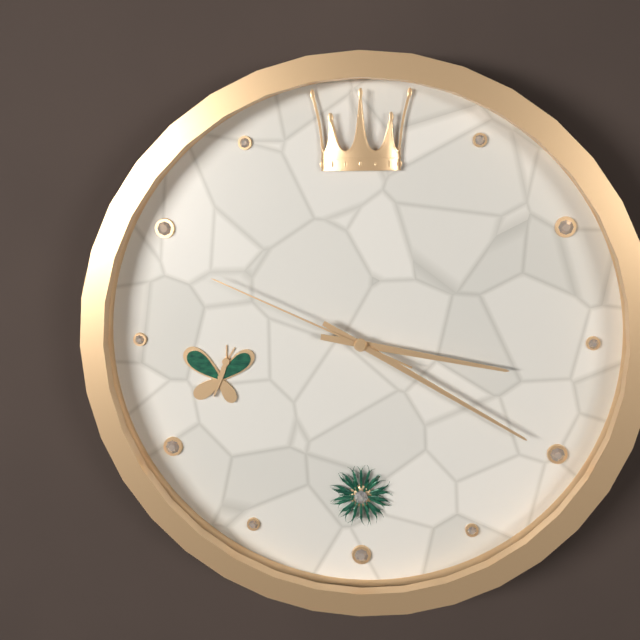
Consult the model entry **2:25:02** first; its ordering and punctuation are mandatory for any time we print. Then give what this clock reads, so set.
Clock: **3:20:49**
